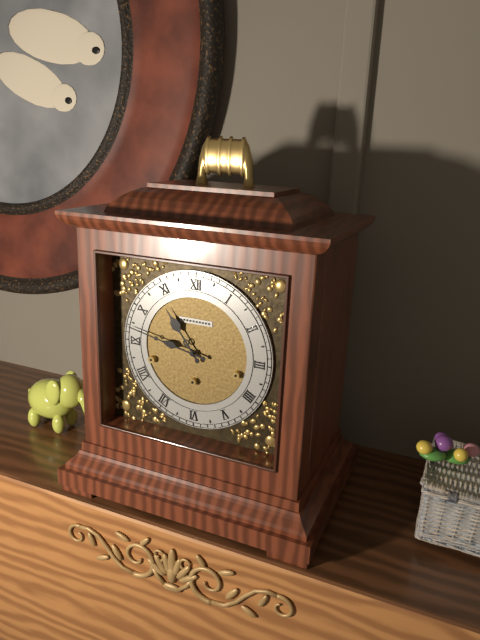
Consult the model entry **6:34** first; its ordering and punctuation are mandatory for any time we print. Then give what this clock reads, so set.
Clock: **10:47**
